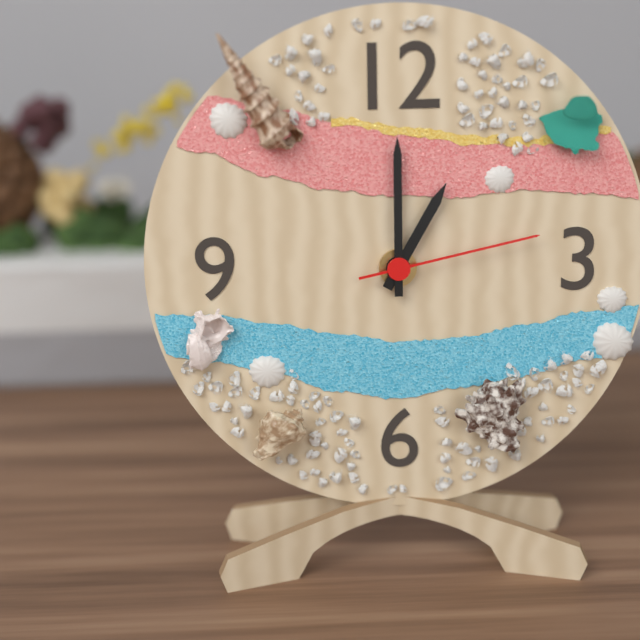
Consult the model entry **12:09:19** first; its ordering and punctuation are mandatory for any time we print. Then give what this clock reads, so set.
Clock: **1:00:13**
